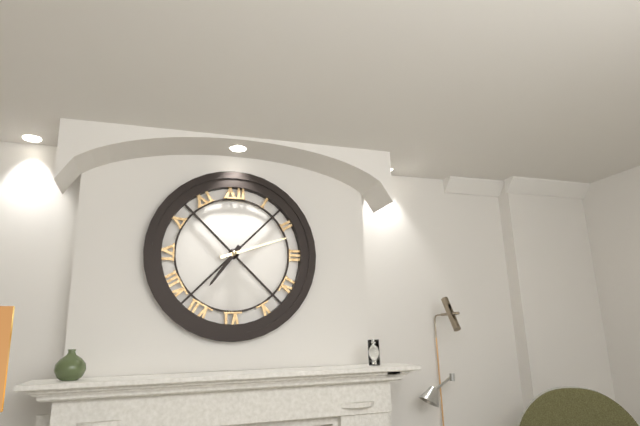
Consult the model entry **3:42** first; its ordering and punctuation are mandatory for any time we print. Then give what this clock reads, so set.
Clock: **7:12**
